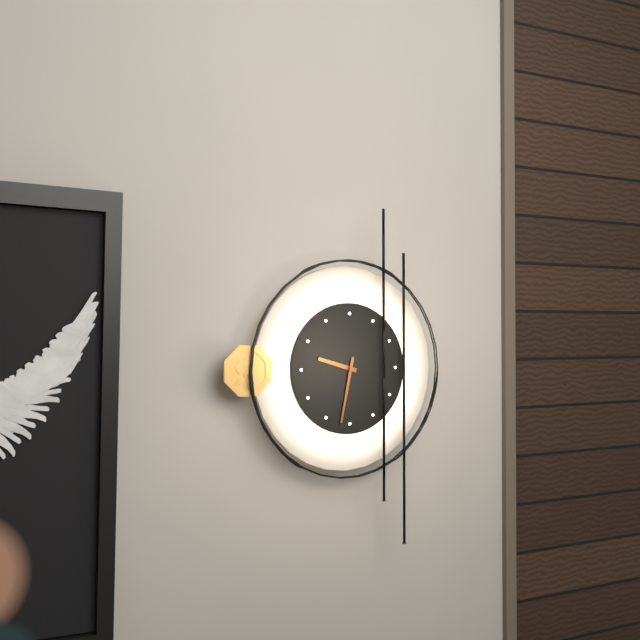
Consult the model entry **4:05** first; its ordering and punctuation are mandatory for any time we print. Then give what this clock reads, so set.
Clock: **9:32**
